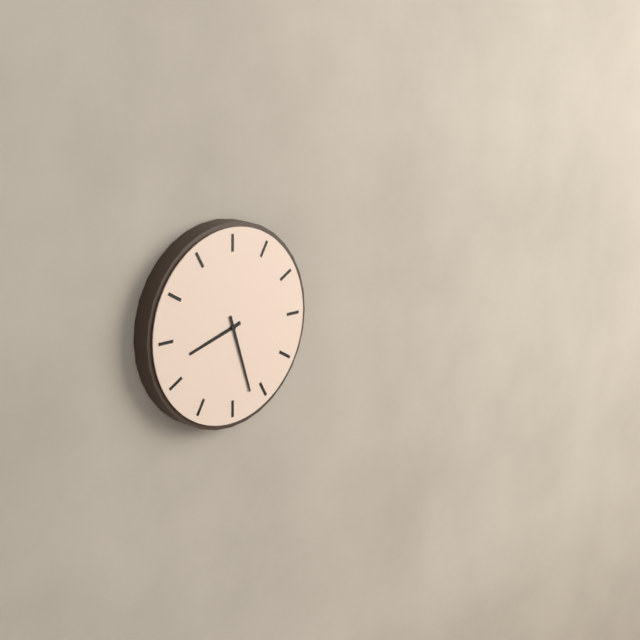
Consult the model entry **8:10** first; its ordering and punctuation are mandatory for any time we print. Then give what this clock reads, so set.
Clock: **8:27**
